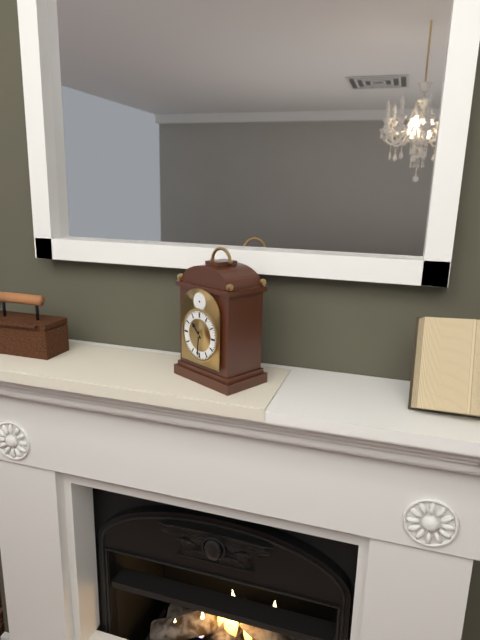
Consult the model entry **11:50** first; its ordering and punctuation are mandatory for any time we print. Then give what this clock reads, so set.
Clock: **10:31**
